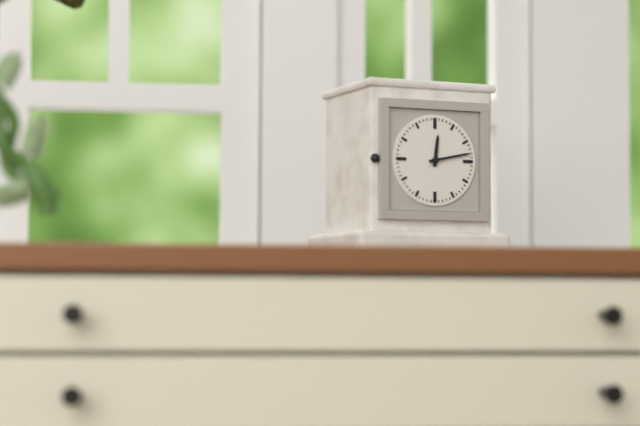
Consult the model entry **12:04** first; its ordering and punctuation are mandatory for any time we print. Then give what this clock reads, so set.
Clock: **12:13**
